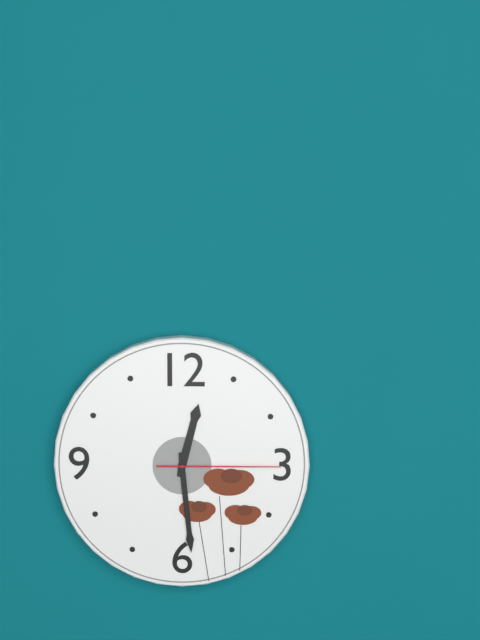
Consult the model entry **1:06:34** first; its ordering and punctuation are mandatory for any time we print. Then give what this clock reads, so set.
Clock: **12:29:15**
